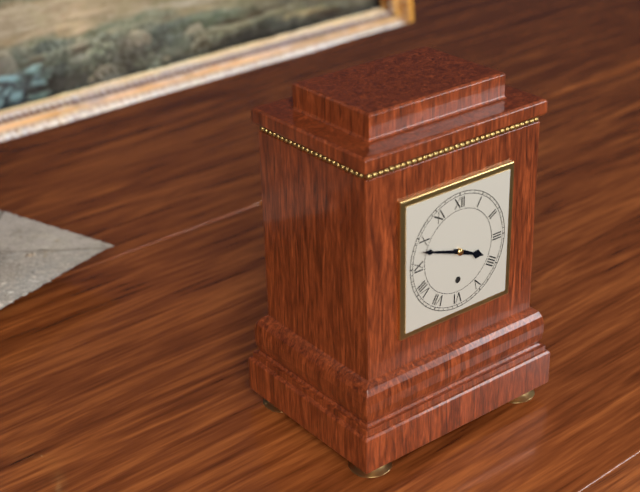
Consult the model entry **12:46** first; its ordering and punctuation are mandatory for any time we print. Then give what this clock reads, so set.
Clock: **3:48**
